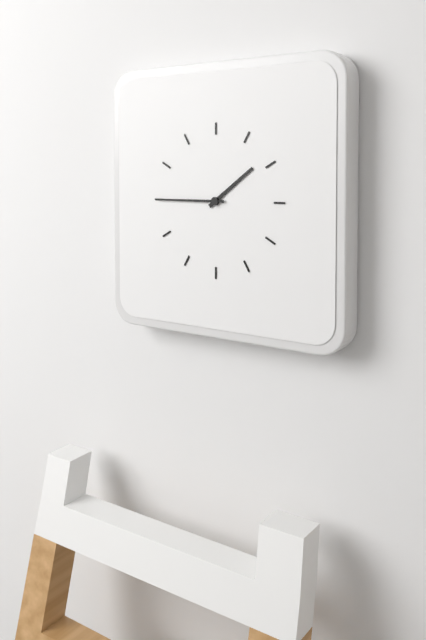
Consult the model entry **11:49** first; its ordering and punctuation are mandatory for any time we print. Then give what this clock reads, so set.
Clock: **1:45**
